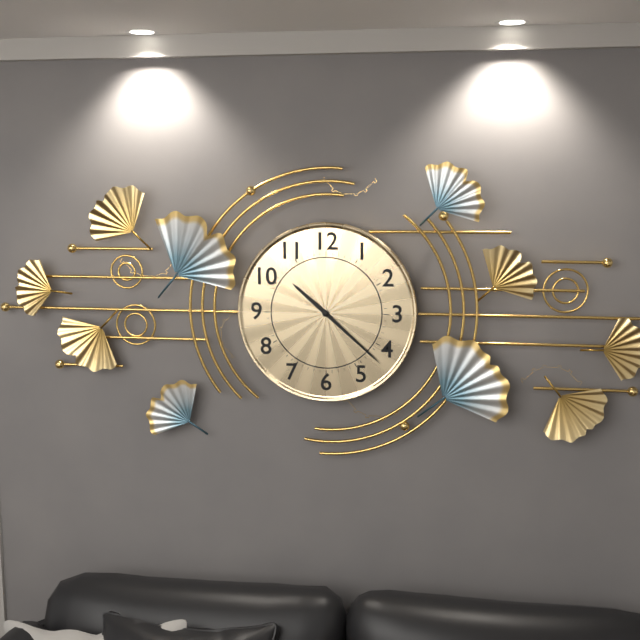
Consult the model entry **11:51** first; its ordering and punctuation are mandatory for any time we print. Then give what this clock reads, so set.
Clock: **10:22**
